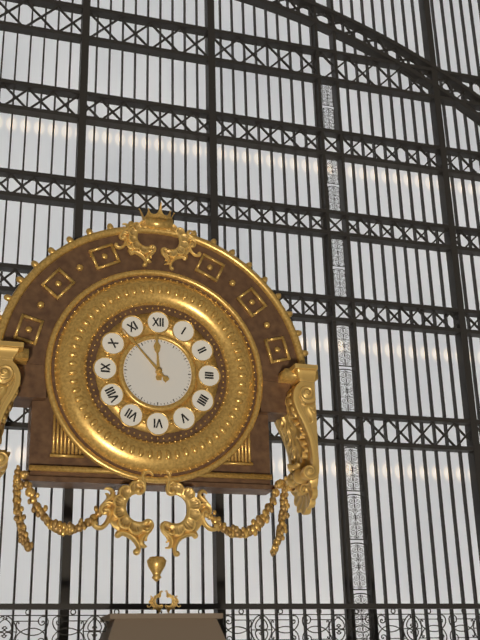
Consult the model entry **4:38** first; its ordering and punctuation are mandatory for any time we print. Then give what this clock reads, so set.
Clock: **11:53**
